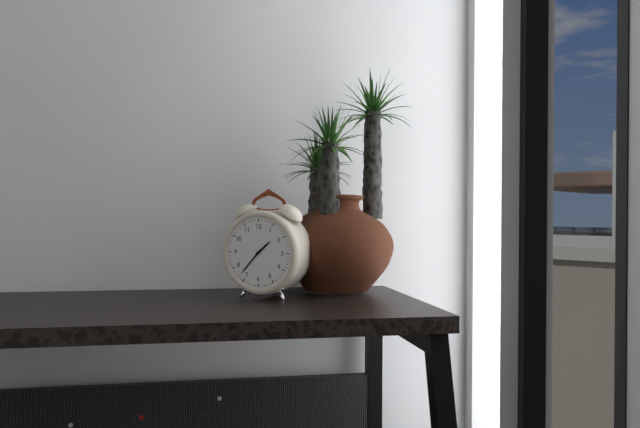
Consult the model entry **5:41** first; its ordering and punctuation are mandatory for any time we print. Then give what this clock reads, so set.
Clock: **1:37**
